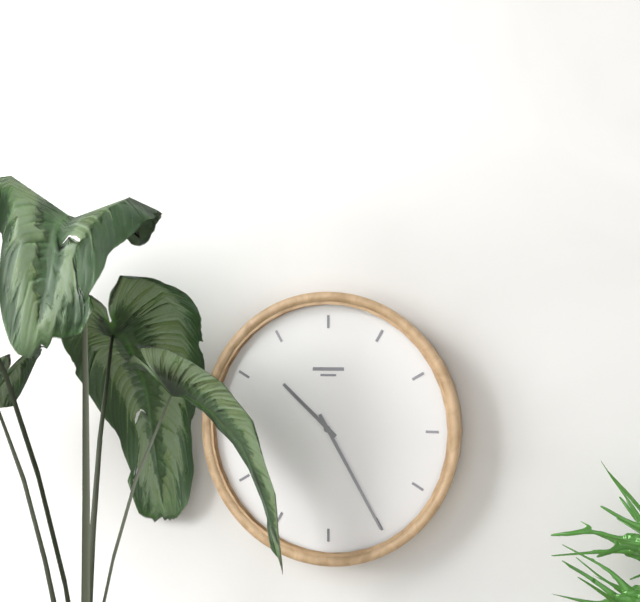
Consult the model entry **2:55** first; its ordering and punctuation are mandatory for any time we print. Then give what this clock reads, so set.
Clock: **10:25**
